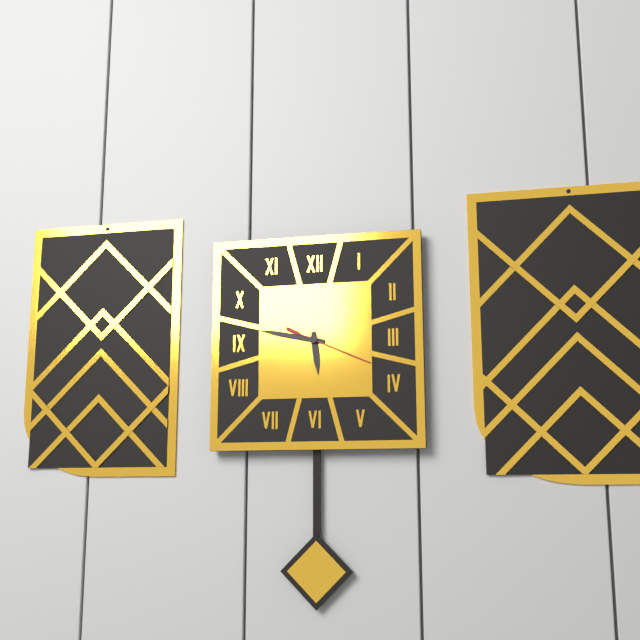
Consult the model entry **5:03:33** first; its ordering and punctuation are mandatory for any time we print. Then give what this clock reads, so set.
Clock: **5:47:19**
